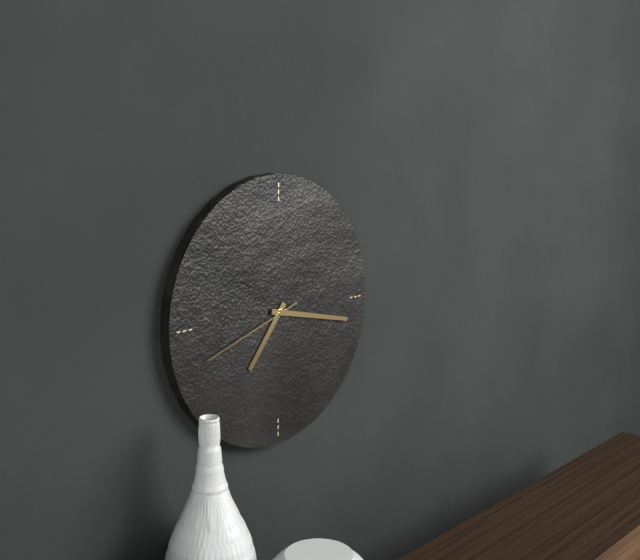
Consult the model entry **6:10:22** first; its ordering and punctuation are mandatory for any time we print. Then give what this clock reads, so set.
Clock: **7:17:42**
